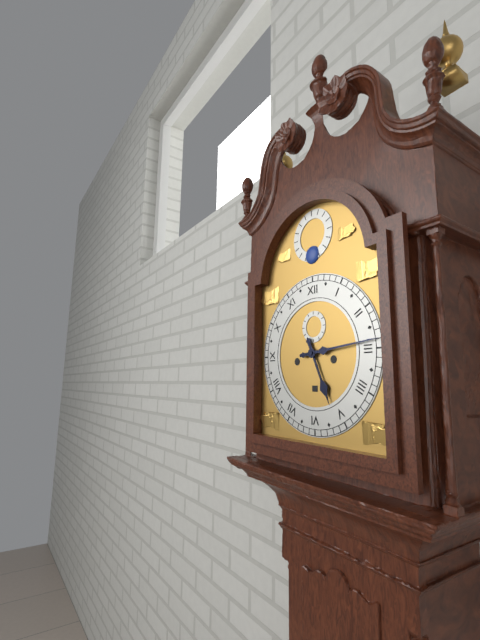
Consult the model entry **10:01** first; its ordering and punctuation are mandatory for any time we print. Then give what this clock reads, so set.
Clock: **5:14**
